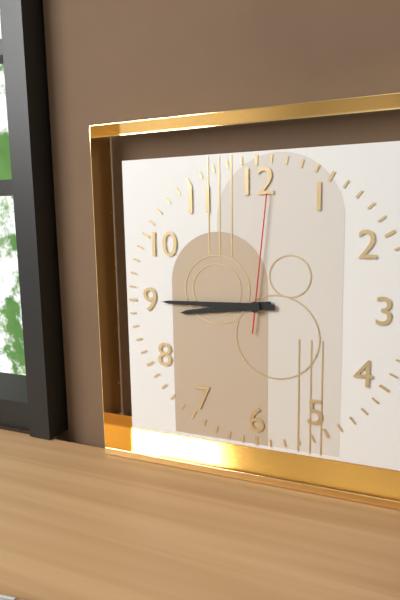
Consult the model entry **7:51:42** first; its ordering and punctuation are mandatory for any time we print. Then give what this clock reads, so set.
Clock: **8:45:01**
